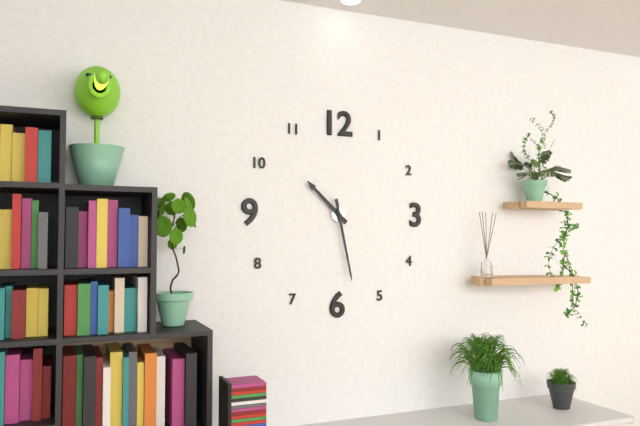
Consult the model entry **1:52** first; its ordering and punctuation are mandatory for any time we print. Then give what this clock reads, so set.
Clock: **10:28**
